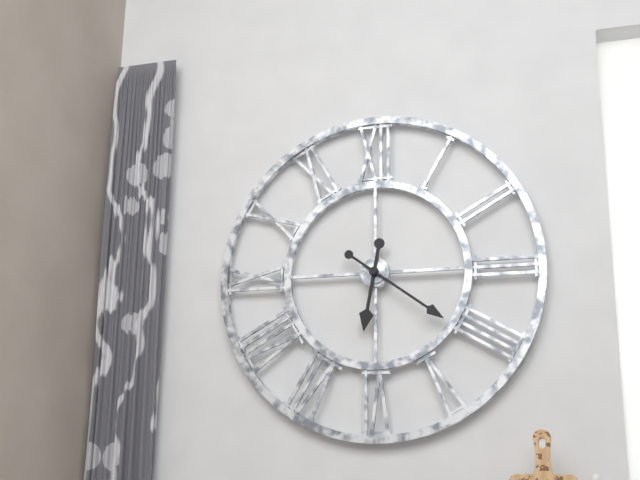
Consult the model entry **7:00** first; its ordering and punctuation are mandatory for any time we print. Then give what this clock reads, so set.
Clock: **6:21**
